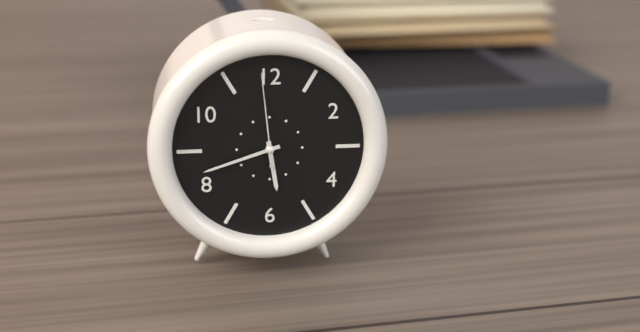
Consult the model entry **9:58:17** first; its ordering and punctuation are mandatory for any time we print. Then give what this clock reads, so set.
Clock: **5:42:59**
